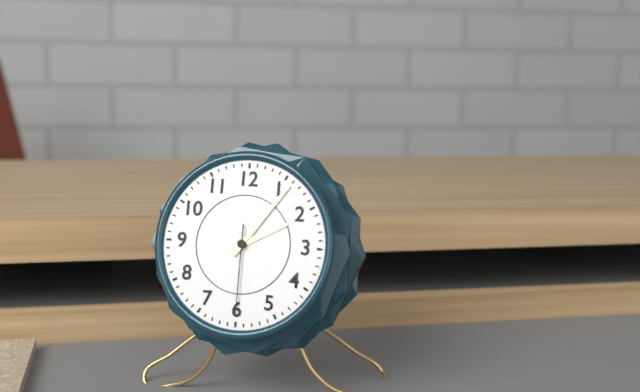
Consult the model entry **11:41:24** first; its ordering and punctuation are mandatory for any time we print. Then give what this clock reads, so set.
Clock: **2:06:30**
